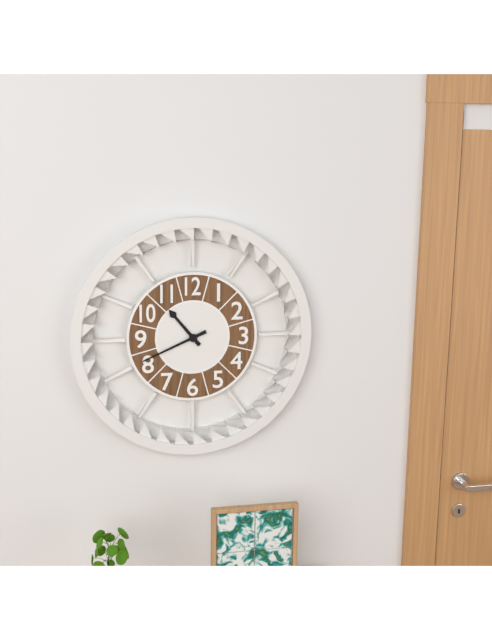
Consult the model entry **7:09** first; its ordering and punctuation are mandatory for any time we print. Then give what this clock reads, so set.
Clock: **10:41**
